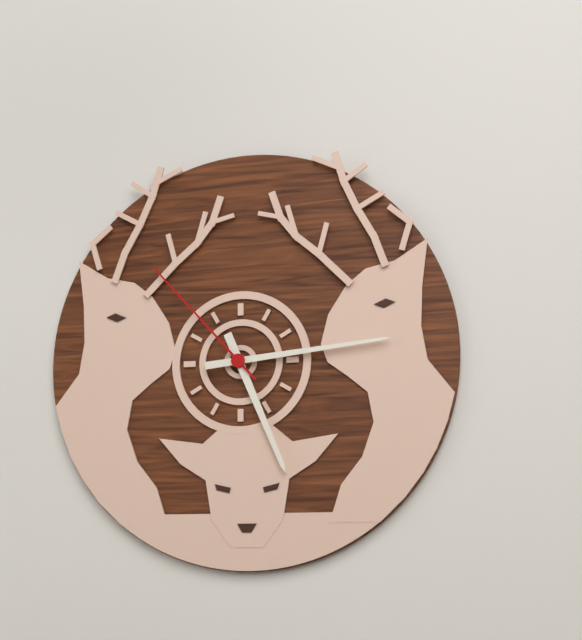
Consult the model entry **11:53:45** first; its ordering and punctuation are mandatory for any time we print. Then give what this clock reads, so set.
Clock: **5:14:53**
